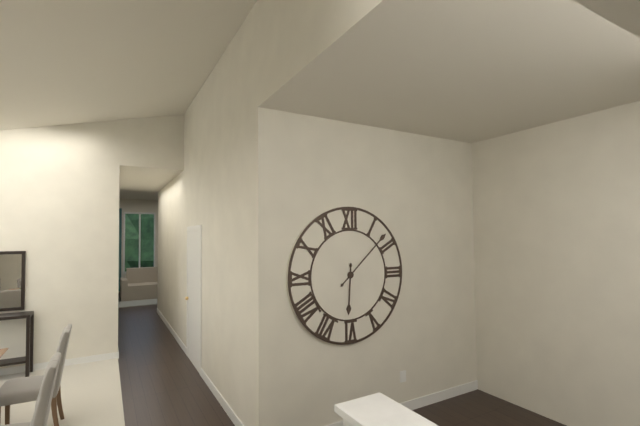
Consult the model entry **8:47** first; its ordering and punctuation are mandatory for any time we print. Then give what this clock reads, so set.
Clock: **6:08**
